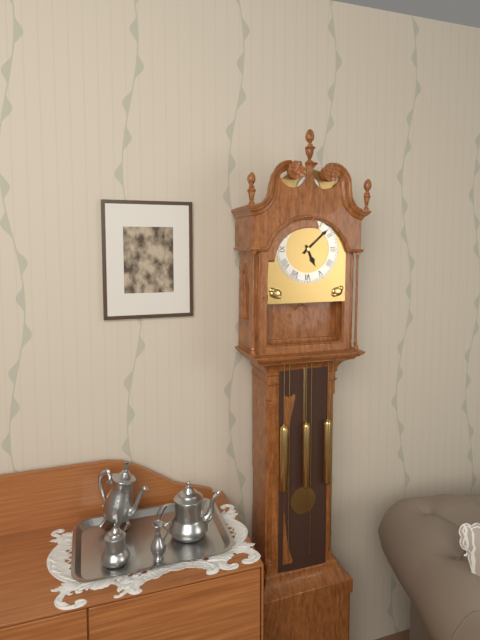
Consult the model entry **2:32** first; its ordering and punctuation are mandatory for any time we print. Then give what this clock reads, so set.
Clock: **5:08**
